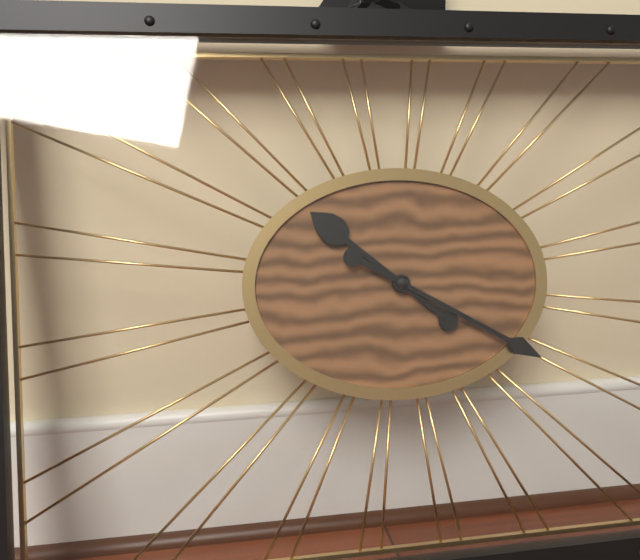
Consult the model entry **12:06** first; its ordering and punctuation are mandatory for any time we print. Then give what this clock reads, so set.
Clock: **10:20**
